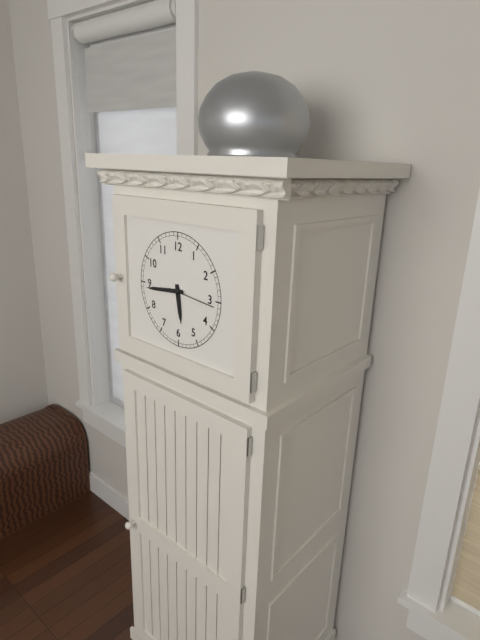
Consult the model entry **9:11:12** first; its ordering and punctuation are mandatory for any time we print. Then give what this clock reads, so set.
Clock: **5:44:16**
